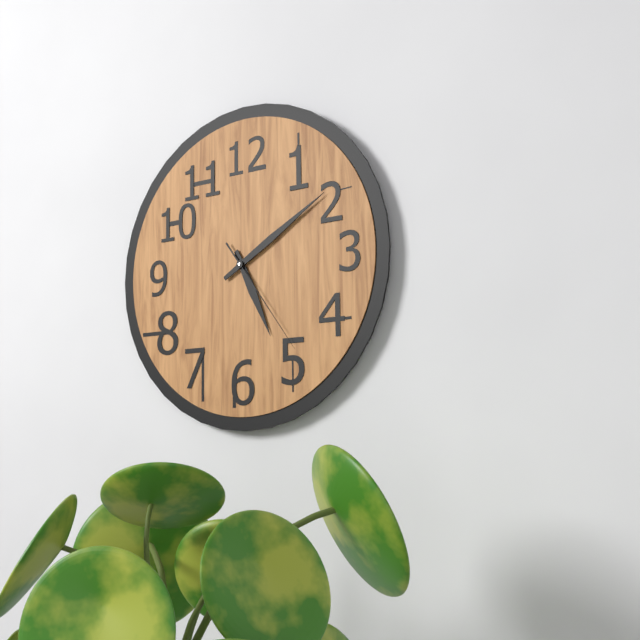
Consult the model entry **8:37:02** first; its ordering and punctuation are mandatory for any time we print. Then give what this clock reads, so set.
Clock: **5:10:24**
